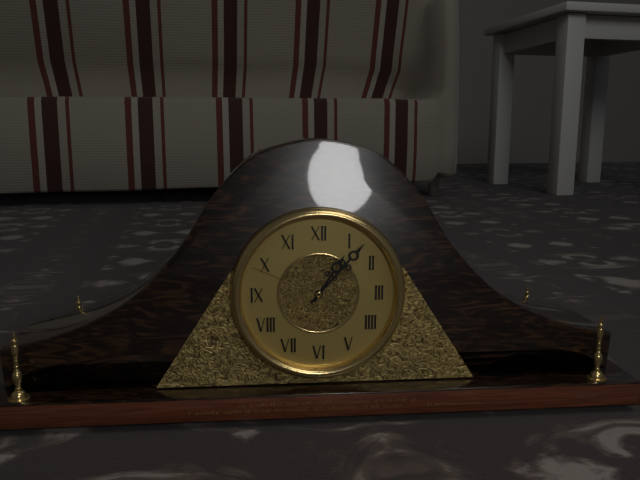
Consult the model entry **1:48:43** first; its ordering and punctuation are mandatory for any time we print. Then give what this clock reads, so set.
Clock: **1:07:49**
